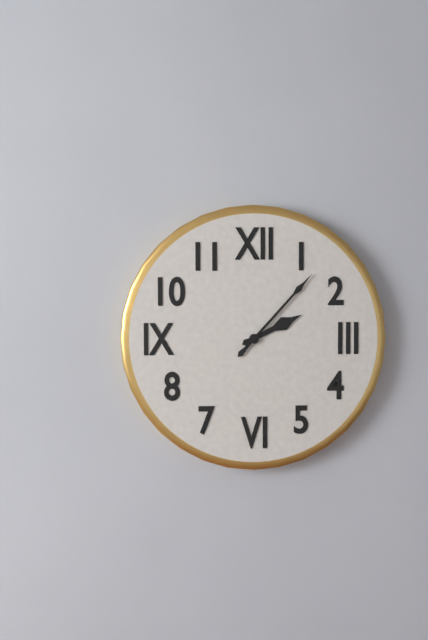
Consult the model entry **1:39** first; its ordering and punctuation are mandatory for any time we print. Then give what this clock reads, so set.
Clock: **2:07**
